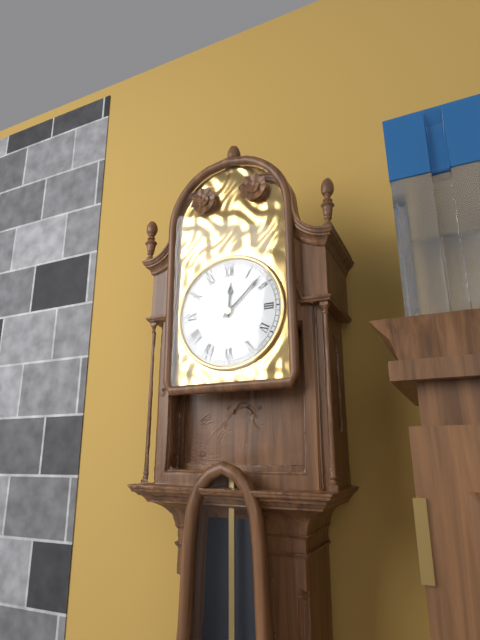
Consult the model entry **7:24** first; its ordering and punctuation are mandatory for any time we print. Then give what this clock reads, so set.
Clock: **12:08**
